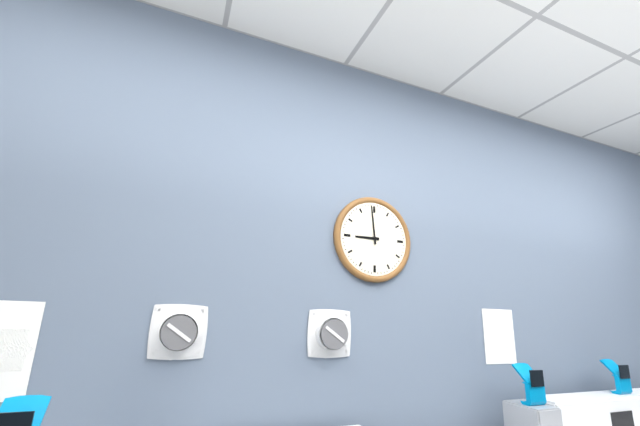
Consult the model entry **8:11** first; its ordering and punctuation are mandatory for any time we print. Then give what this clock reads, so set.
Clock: **8:59**
